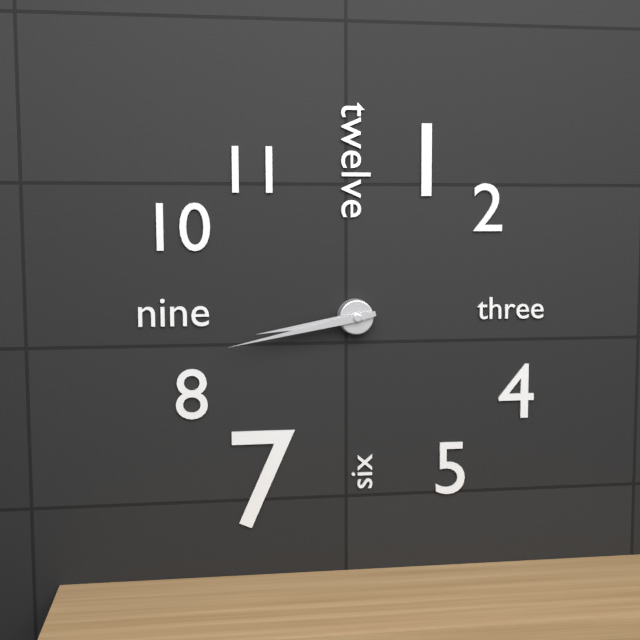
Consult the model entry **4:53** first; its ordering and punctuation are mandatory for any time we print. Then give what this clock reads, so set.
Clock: **8:43**
